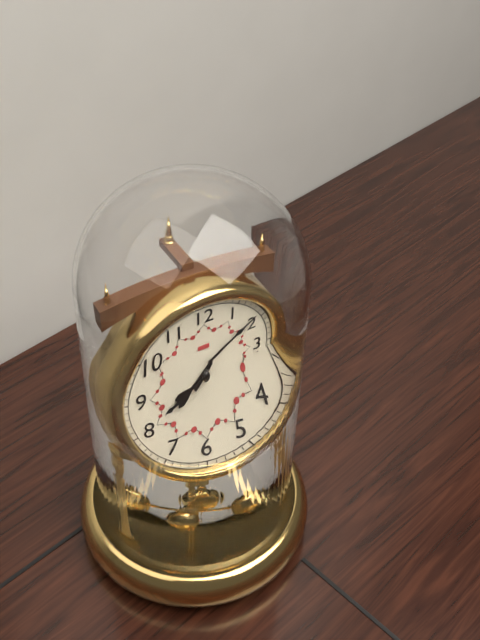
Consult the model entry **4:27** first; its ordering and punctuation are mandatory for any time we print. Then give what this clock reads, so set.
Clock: **8:09**
